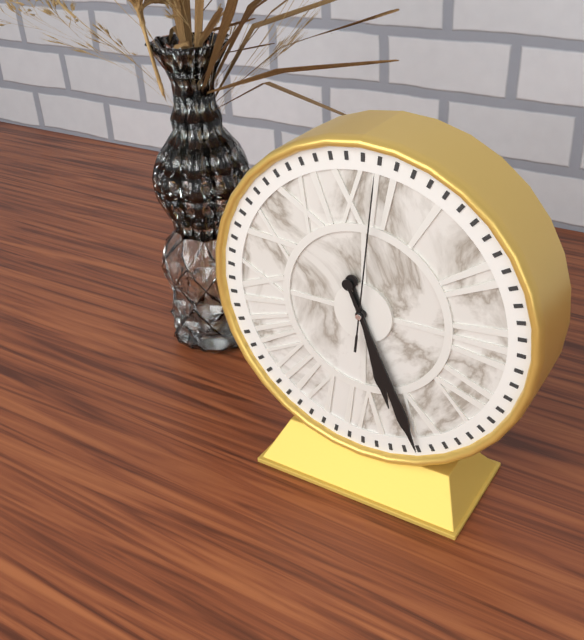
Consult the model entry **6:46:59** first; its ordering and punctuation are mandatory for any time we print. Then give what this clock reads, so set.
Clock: **5:26:01**
